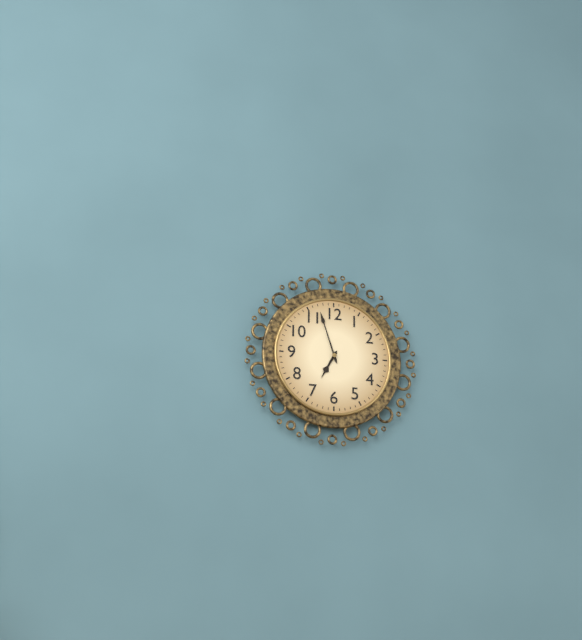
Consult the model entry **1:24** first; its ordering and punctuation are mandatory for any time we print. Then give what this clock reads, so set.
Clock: **6:57**
